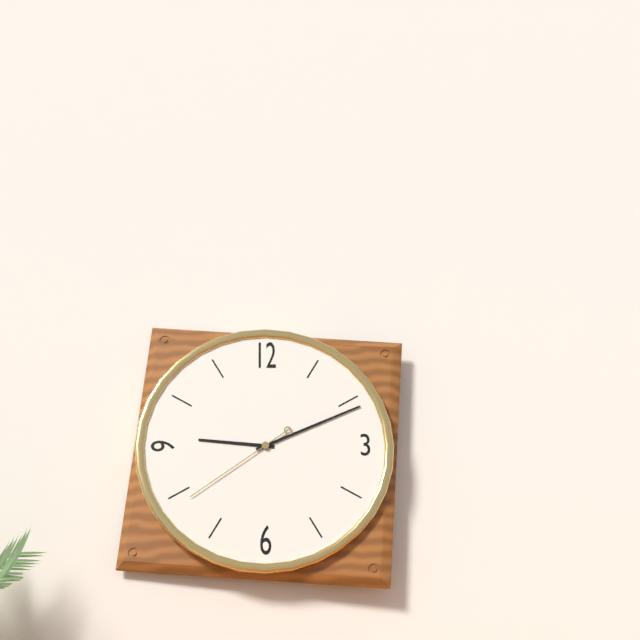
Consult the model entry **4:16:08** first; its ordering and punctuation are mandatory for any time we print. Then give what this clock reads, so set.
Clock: **9:11:39**
